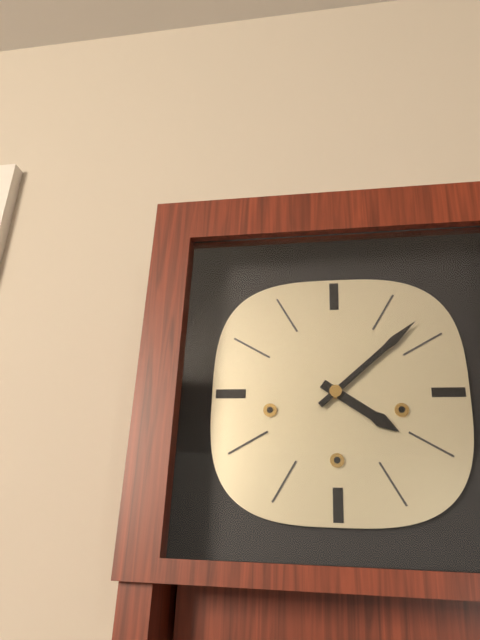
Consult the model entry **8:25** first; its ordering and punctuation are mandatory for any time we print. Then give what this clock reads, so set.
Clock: **4:08**
